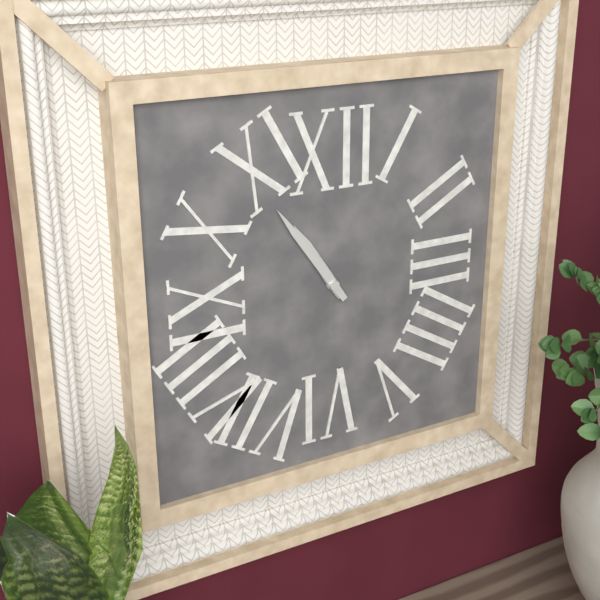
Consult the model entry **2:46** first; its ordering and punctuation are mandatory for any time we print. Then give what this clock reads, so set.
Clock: **10:54**
